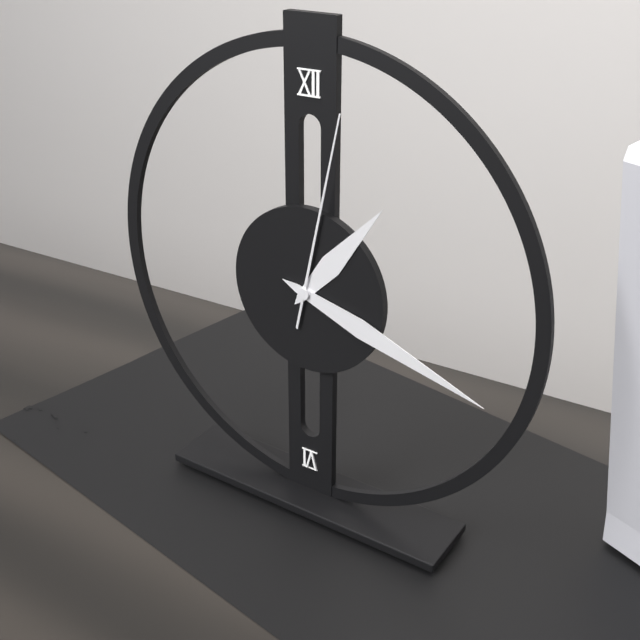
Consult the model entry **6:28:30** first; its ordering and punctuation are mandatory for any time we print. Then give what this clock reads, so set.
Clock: **1:18:02**
